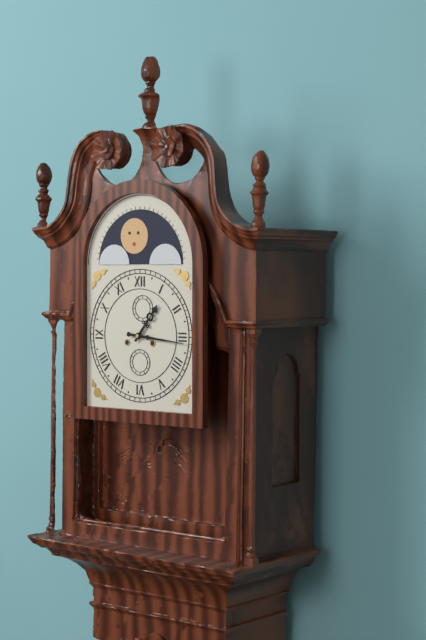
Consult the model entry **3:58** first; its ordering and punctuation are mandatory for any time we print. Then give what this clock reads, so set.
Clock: **1:16**
